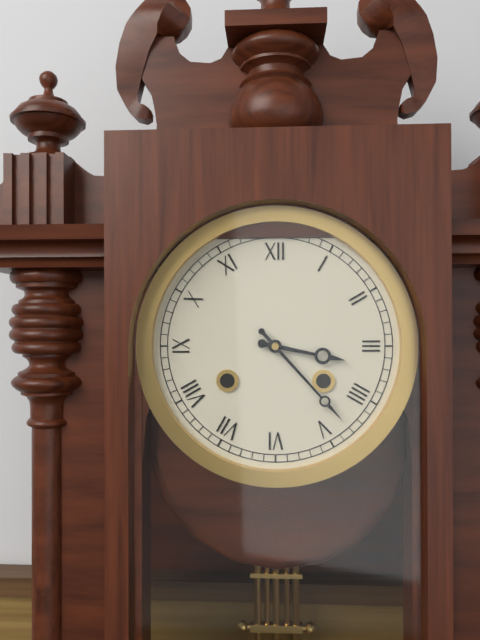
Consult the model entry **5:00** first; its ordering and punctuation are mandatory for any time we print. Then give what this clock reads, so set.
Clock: **3:23**
